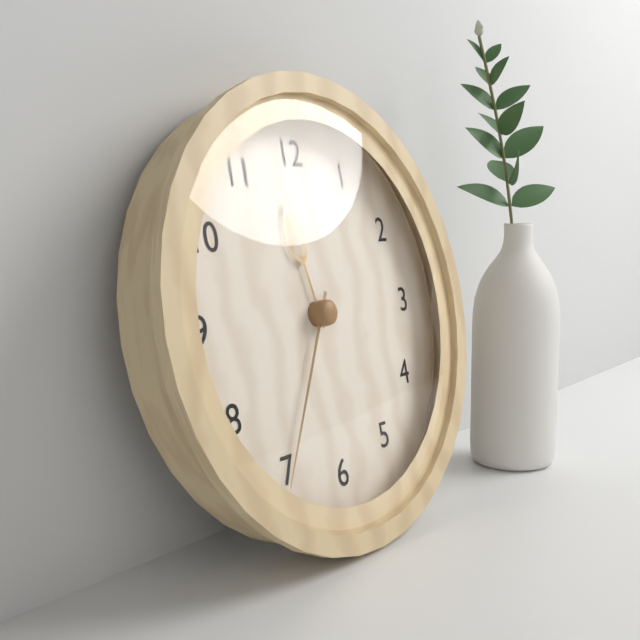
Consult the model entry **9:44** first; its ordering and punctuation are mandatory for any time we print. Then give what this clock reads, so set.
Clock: **11:35**
